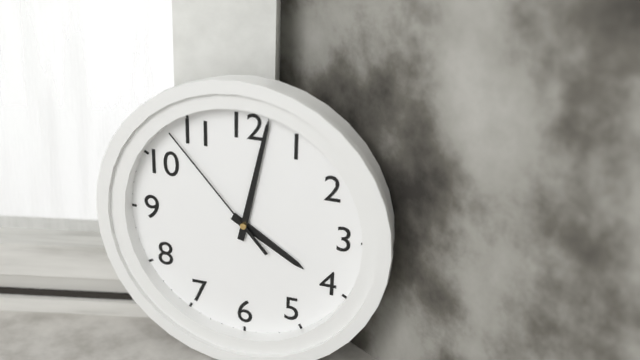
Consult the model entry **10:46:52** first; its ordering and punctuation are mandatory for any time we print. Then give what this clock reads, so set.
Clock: **4:02:53**
